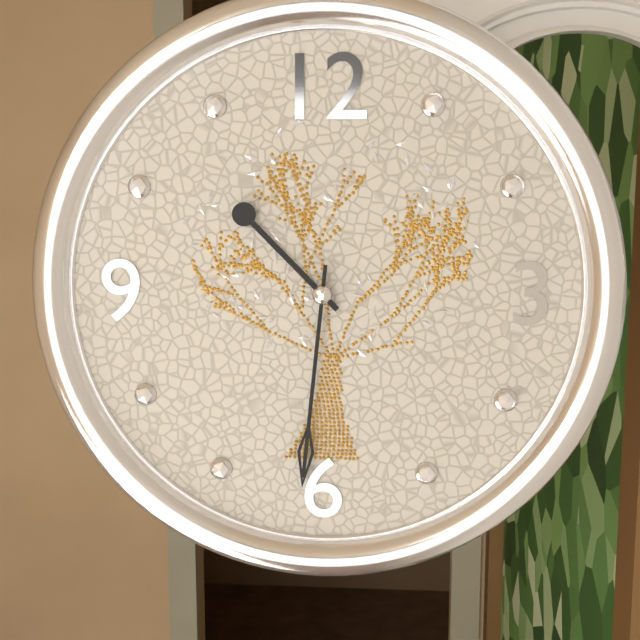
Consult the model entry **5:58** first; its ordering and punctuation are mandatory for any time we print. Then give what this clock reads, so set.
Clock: **10:31**
